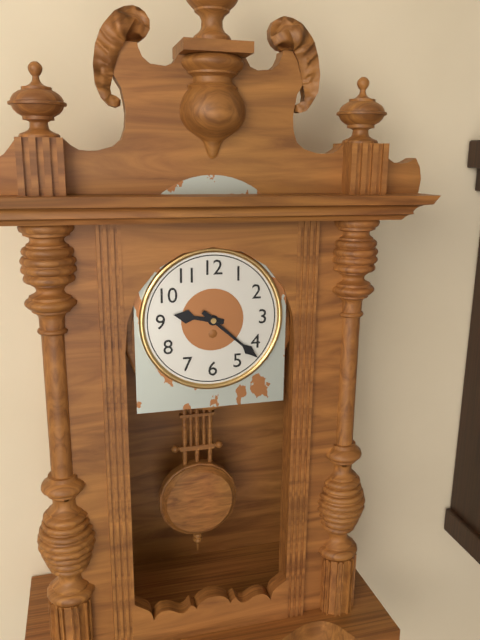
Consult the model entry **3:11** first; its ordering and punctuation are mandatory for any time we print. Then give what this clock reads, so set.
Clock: **9:22**
